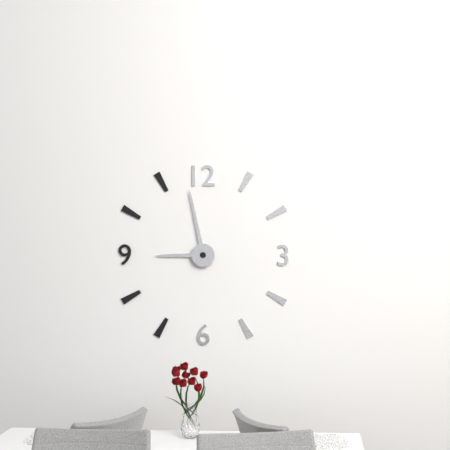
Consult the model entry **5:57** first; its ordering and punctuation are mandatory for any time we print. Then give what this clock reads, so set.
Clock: **8:58**
